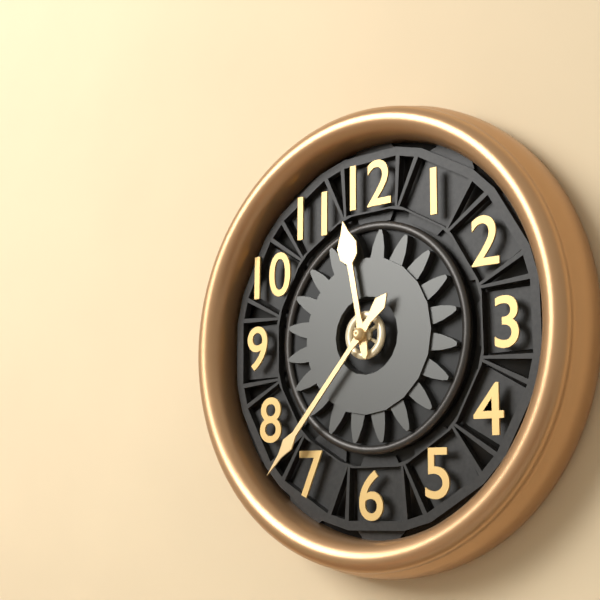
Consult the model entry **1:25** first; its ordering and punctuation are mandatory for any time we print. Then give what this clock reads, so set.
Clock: **11:37**
